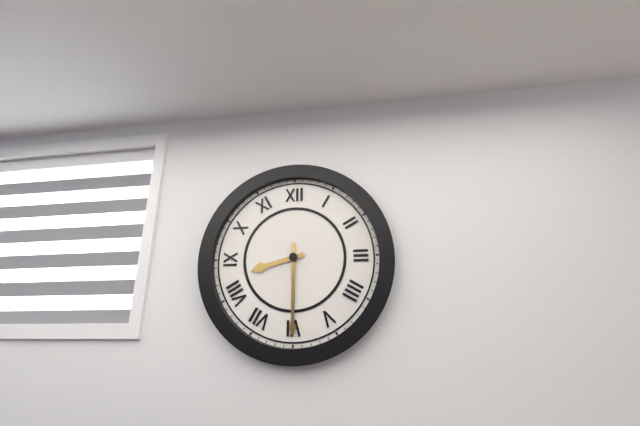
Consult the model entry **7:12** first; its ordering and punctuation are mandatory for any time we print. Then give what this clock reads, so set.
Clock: **8:30**
